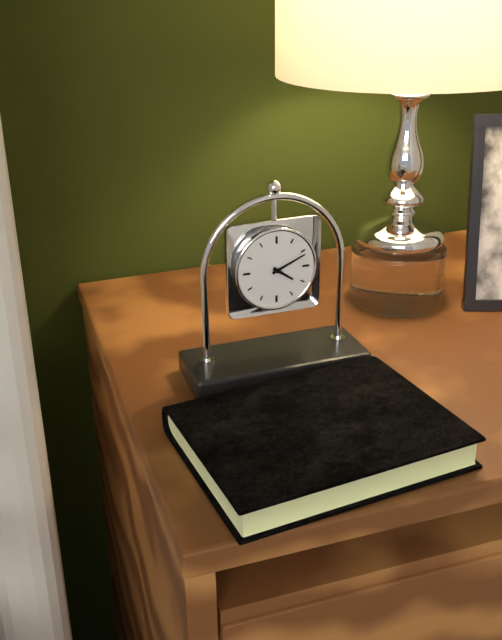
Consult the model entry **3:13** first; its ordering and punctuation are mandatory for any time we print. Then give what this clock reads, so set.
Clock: **4:11**
